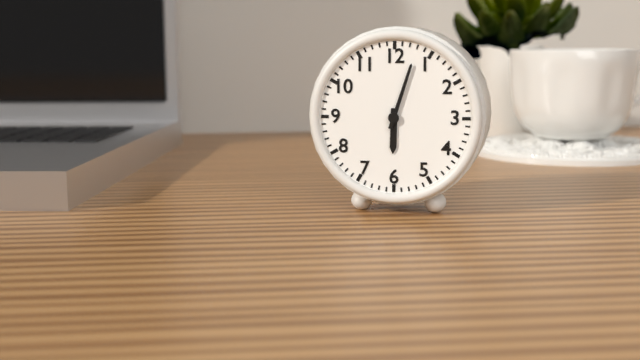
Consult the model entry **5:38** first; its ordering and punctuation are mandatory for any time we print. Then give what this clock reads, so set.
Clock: **6:03**
